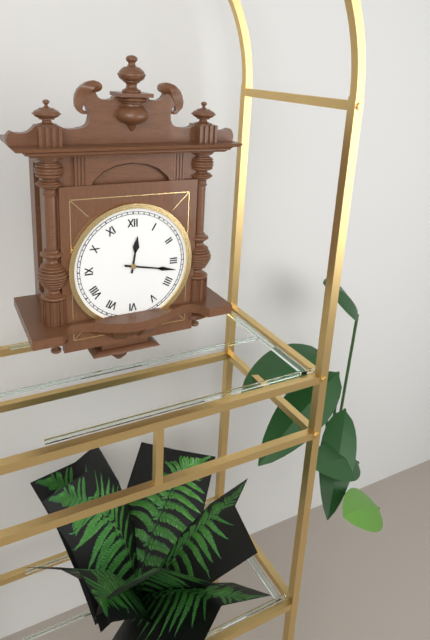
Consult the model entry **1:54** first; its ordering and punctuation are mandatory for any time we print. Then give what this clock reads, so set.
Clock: **12:17**
